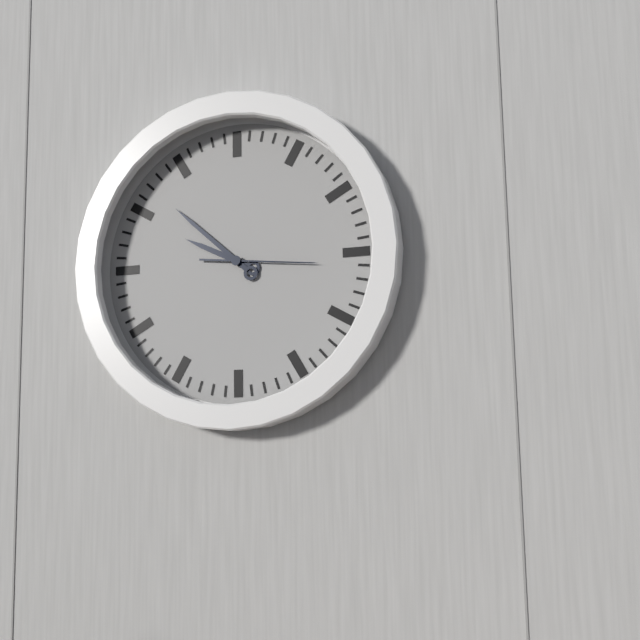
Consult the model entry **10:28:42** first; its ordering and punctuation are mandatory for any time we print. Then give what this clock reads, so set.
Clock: **9:52:16**
